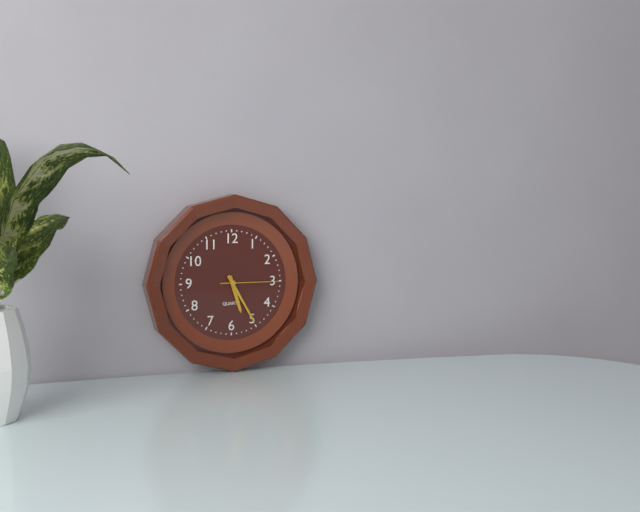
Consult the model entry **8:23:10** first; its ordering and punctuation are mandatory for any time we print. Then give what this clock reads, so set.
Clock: **5:25:15**
